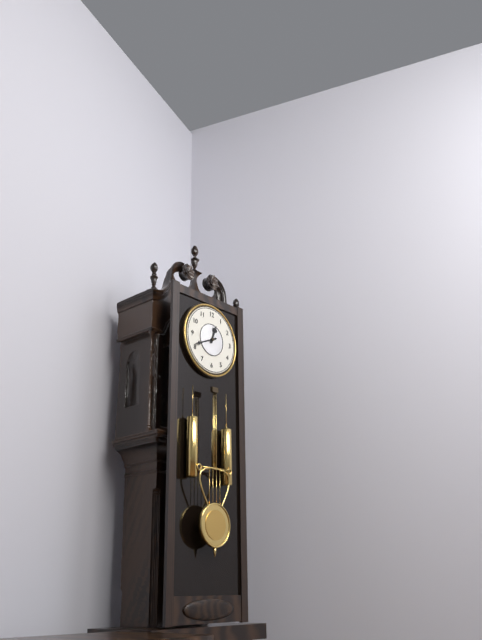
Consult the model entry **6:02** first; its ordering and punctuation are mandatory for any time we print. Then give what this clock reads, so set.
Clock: **12:41**
